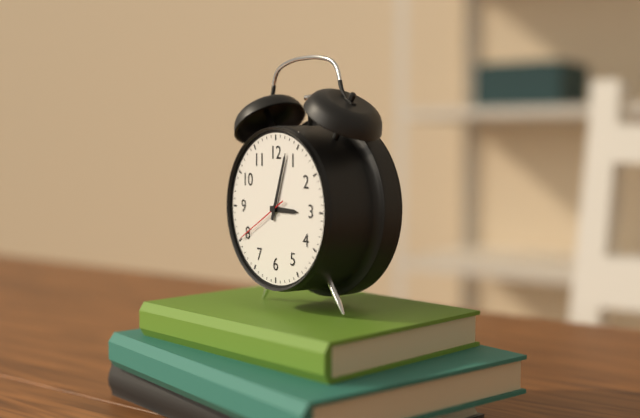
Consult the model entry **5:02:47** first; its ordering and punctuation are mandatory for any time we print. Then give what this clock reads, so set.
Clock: **3:03:40**
